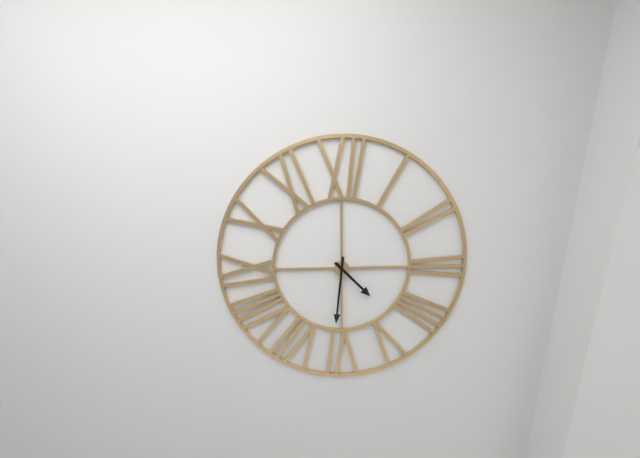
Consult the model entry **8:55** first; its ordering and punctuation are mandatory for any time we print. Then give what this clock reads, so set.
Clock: **4:31**
